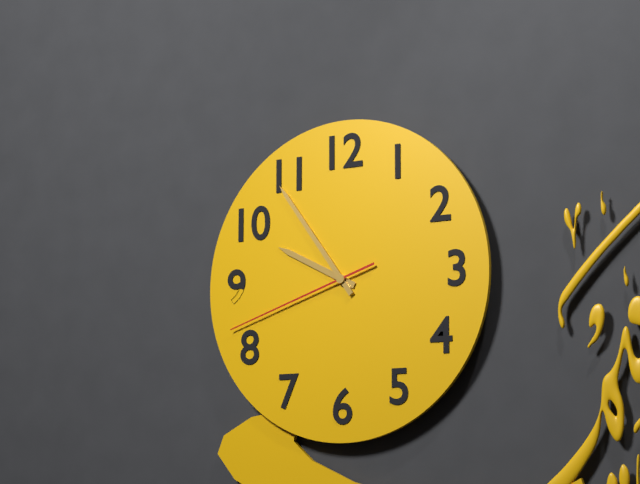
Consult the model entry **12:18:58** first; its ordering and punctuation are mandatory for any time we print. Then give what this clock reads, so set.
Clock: **9:54:42**
